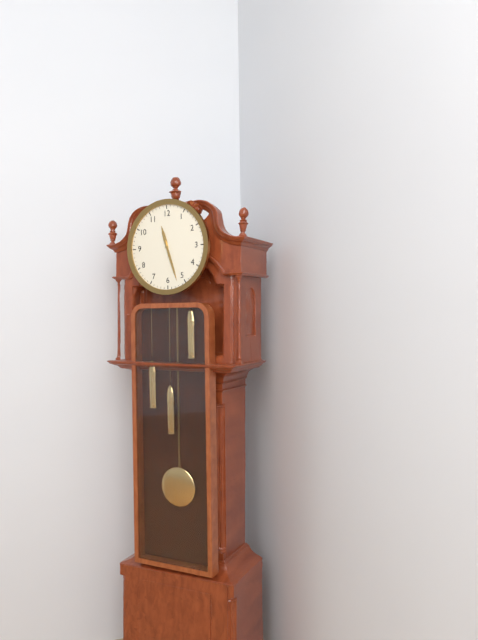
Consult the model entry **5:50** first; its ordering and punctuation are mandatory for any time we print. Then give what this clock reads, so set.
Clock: **11:27**
